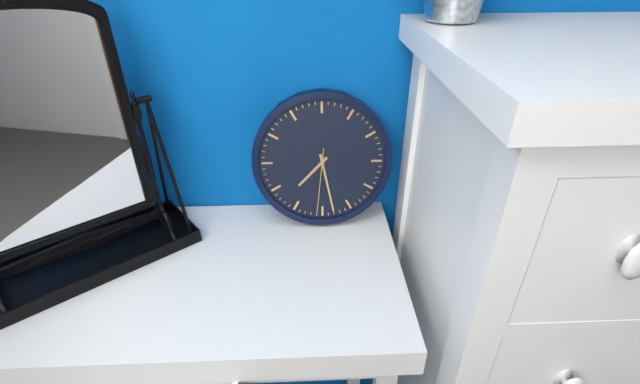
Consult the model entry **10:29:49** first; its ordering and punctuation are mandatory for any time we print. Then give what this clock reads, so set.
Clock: **7:28:31**
